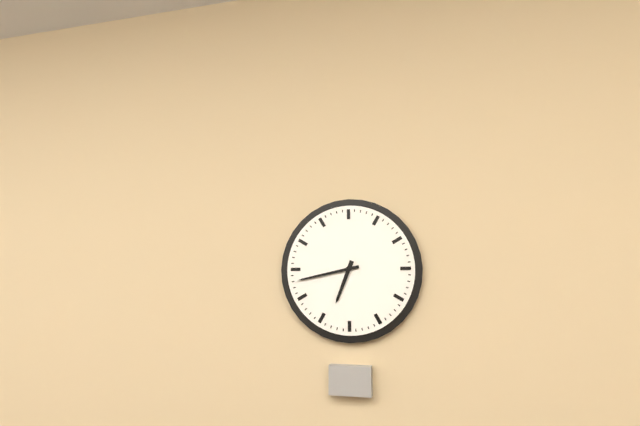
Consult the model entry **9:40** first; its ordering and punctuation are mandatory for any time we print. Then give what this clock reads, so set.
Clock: **6:43**
